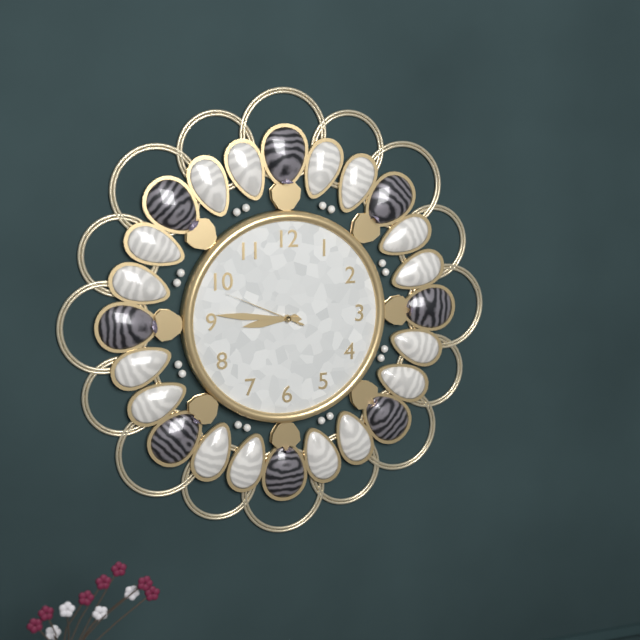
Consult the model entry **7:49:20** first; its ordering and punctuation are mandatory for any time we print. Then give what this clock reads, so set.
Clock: **8:46:49**
